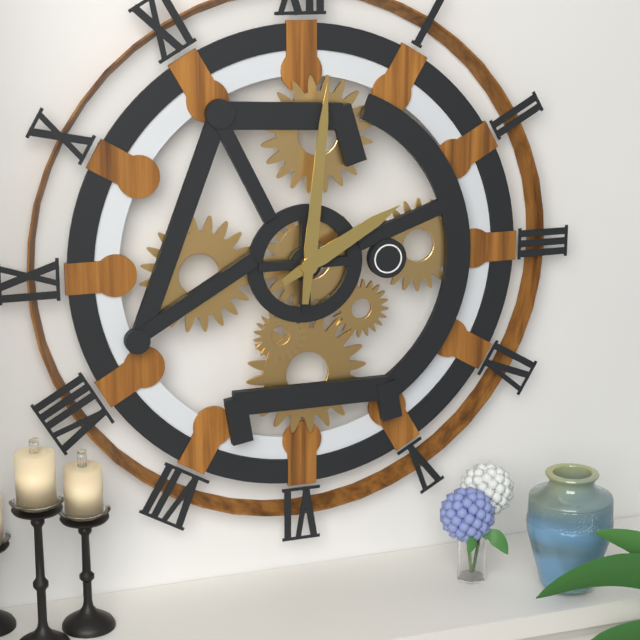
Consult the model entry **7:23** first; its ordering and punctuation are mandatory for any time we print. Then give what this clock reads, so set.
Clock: **2:01**
